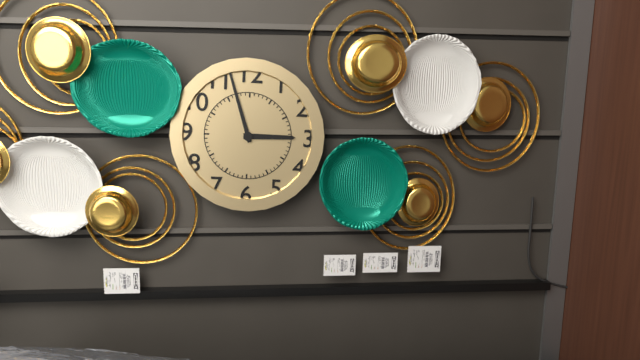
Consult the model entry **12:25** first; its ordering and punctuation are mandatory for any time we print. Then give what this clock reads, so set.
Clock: **2:57**
